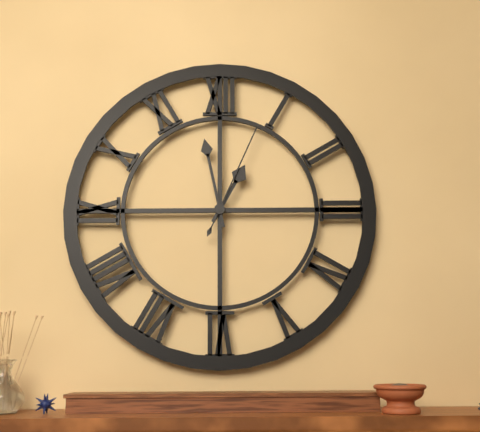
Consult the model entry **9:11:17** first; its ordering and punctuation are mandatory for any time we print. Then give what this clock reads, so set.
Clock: **12:58:04**
